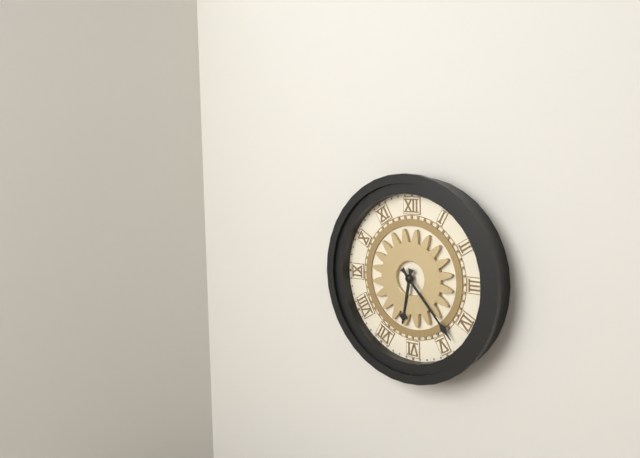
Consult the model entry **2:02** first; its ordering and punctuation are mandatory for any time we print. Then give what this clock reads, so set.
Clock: **6:23**
